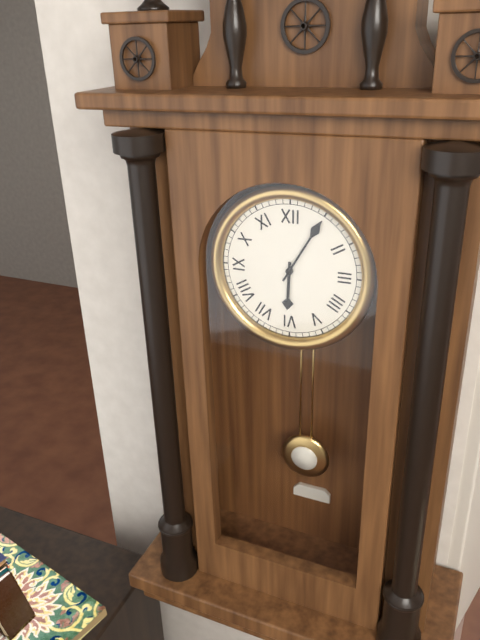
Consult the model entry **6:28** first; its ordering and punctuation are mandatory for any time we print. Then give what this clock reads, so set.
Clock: **6:05**
